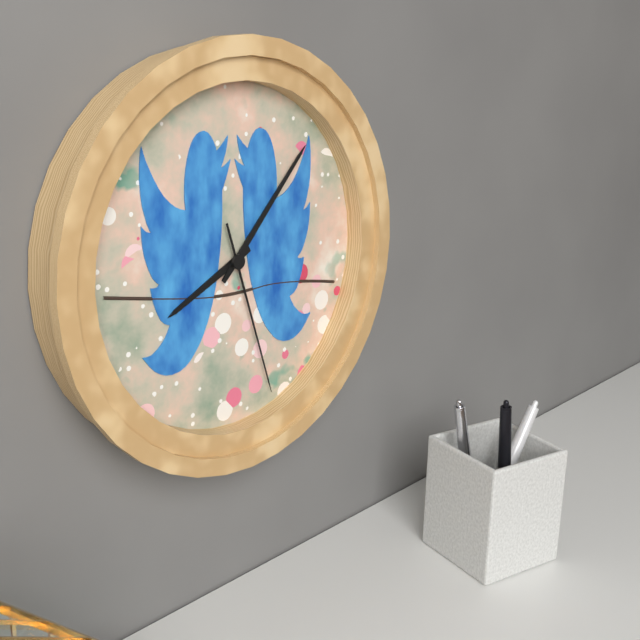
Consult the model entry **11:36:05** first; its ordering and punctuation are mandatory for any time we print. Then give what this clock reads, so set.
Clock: **8:07:27**
